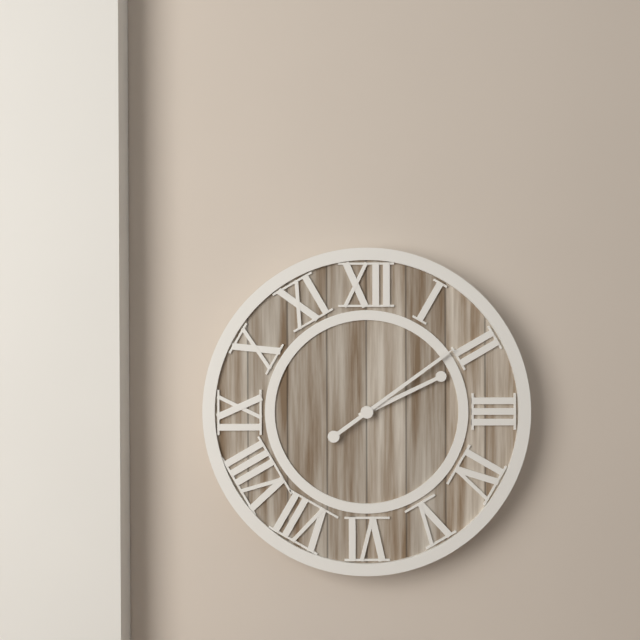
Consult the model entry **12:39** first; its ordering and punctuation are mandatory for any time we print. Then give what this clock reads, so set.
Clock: **2:09**
